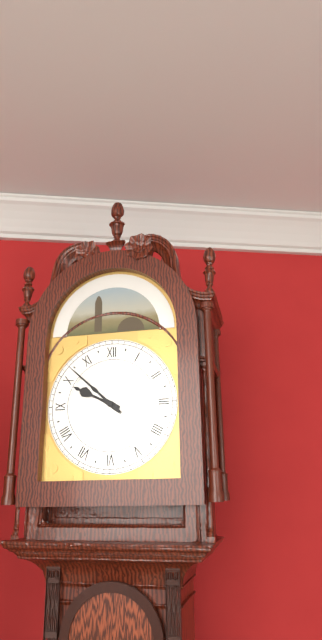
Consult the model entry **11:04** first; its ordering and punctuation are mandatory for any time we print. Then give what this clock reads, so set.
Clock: **9:52**
